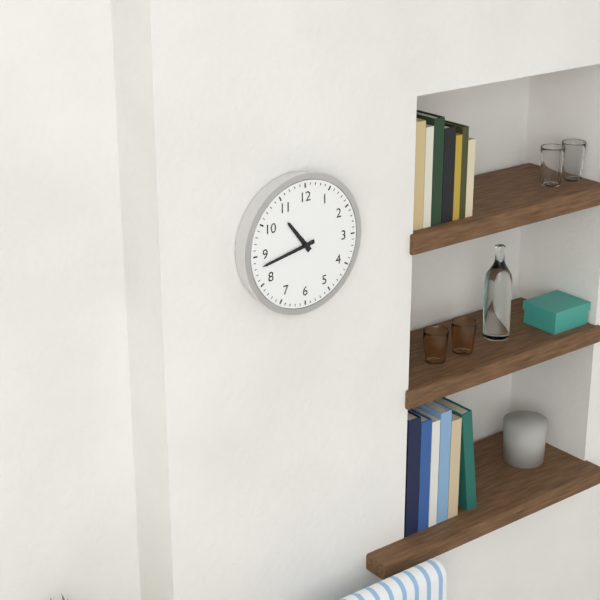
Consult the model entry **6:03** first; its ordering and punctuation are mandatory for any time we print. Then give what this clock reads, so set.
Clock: **10:43**
